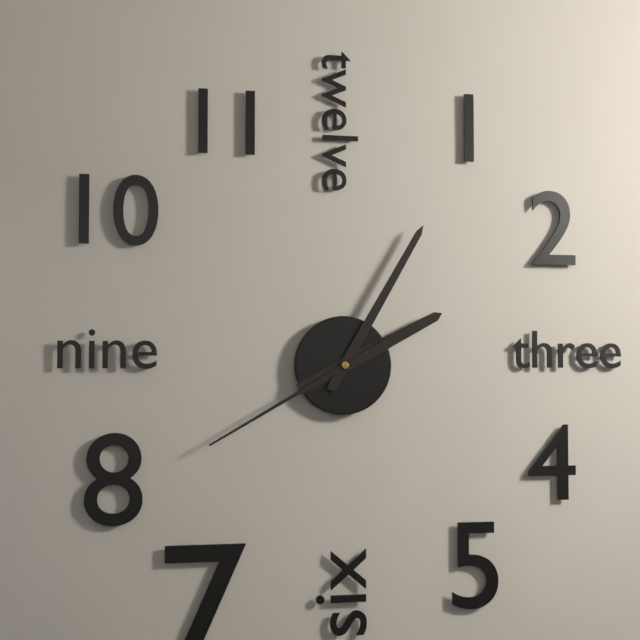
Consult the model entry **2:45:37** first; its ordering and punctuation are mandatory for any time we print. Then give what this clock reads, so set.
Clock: **2:05:40**
